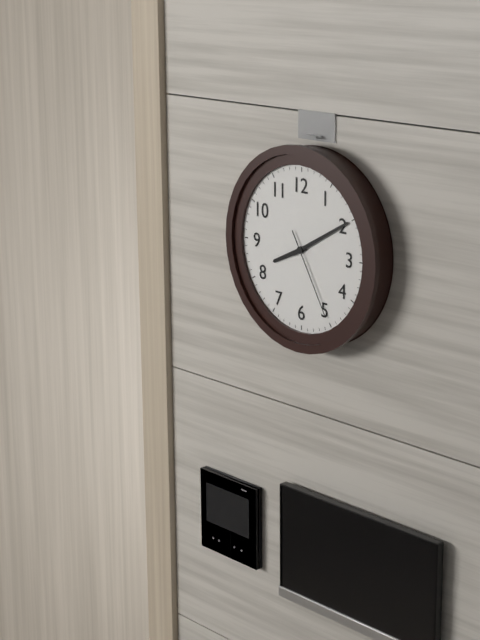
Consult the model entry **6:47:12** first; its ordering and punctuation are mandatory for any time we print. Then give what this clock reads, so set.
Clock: **8:10:25**
